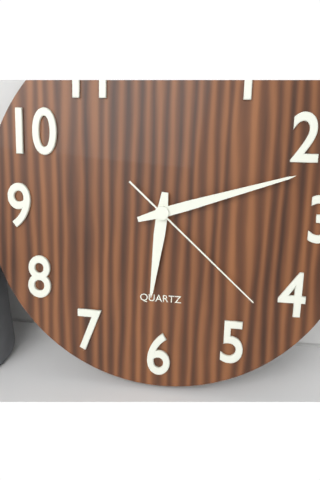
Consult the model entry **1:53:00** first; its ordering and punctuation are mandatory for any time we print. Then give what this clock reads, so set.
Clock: **6:12:22**
